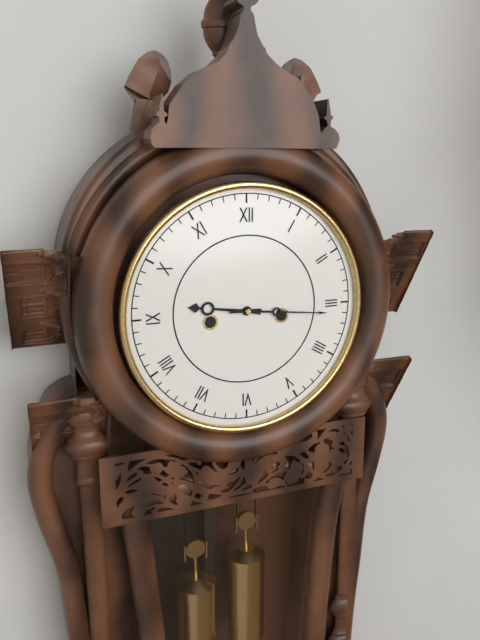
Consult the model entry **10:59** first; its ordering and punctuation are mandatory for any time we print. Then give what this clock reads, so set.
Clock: **9:16**
